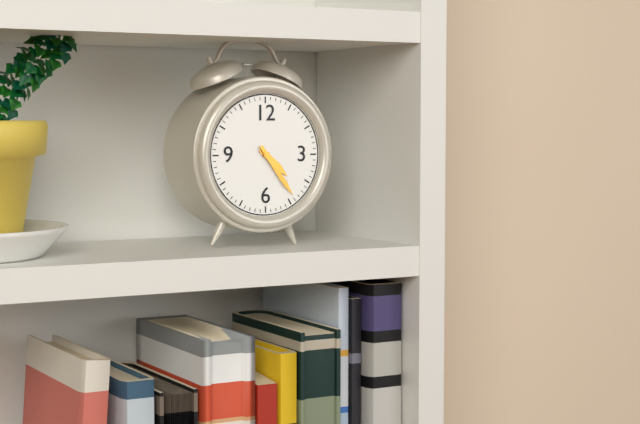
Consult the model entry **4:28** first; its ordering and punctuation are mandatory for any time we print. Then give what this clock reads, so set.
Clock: **4:24**
